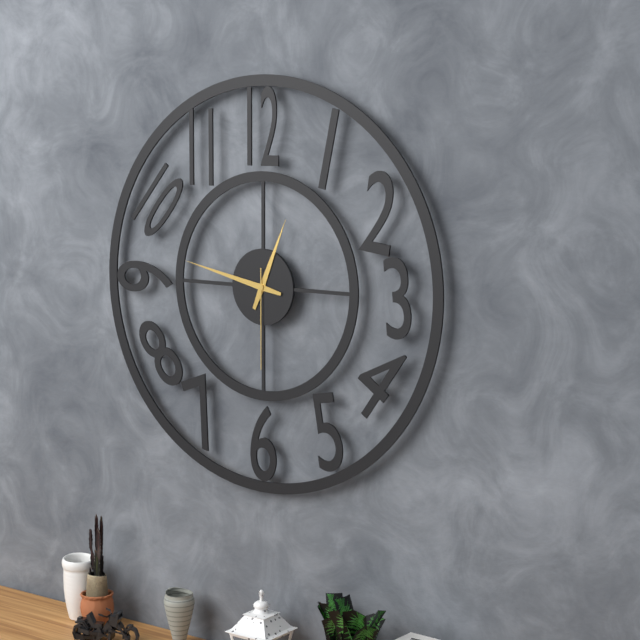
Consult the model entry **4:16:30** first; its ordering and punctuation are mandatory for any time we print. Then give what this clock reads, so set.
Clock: **12:47:30**
